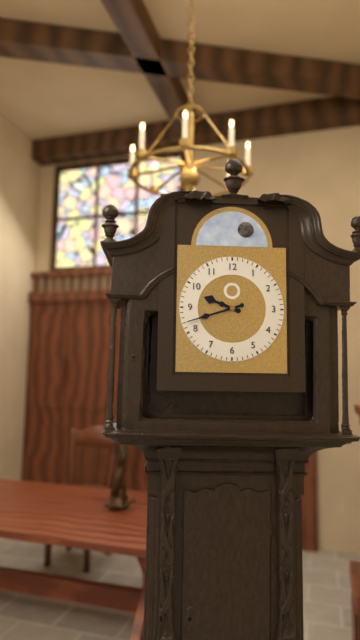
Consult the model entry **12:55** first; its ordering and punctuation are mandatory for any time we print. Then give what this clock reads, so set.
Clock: **9:42**
